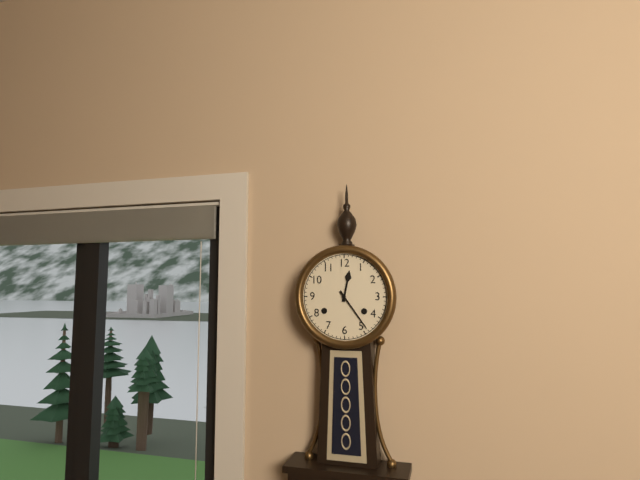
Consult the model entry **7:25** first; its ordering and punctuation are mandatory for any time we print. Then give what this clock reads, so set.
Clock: **12:24**
